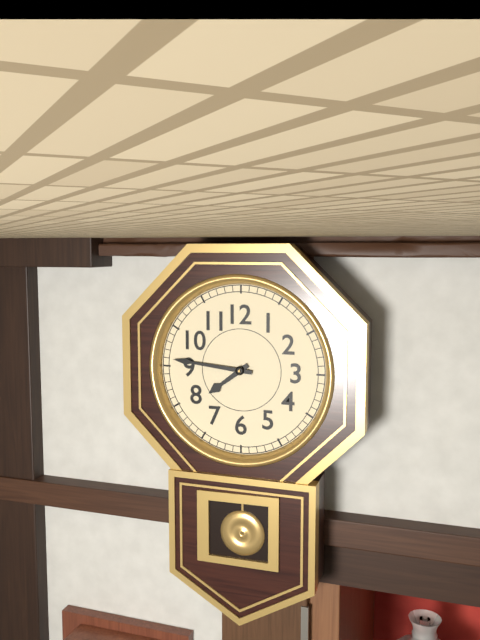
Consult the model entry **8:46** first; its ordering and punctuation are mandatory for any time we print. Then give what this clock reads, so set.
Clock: **7:46**
